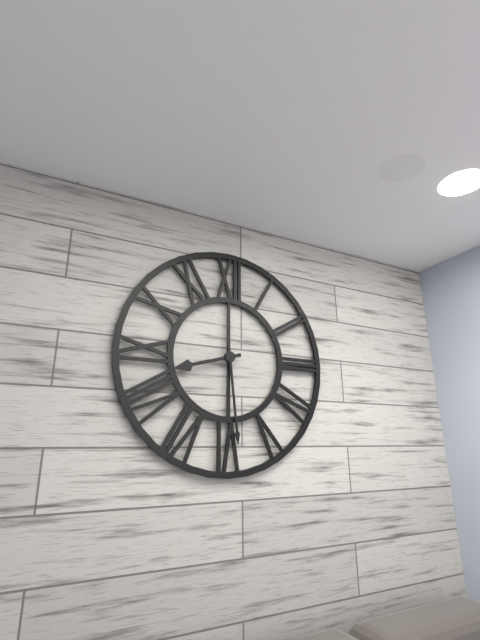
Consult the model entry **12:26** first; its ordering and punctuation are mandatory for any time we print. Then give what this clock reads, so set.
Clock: **8:29**
